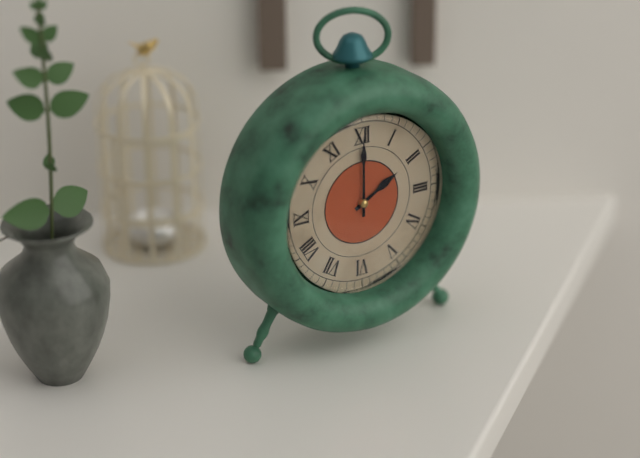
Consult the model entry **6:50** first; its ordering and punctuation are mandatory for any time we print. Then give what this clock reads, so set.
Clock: **2:00**
